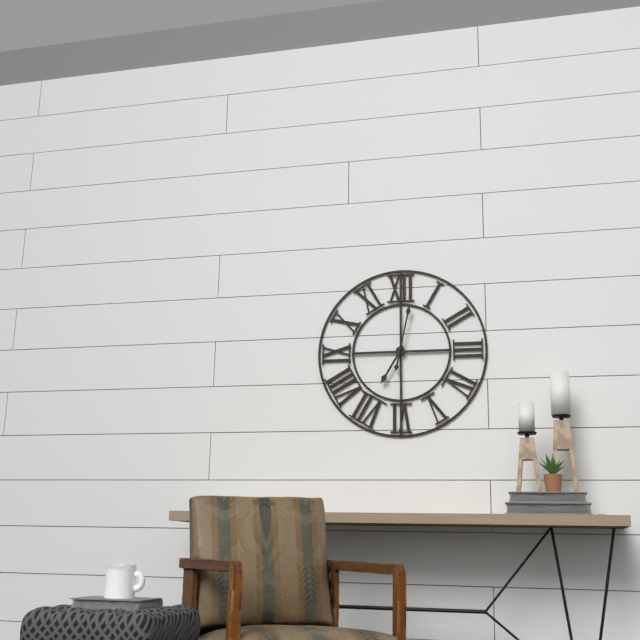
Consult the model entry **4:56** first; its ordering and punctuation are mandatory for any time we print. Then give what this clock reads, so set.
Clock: **7:02**
